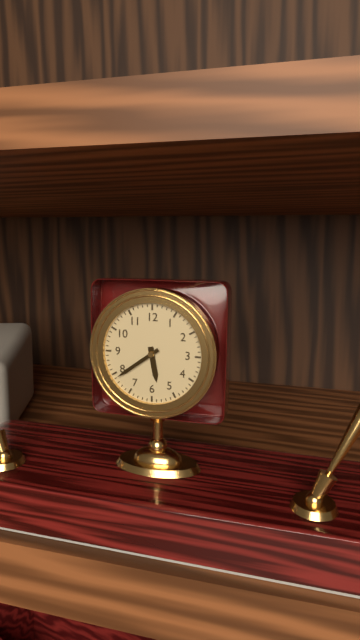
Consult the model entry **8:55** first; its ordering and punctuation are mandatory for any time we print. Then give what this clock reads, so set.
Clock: **5:39**
